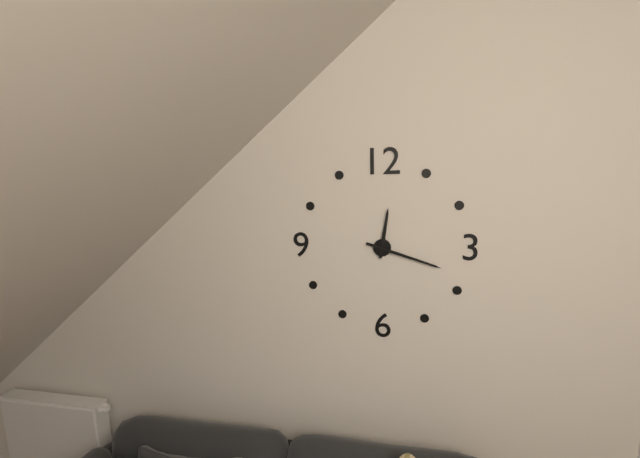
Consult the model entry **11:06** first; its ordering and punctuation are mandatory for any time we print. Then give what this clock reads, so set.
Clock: **12:18**
